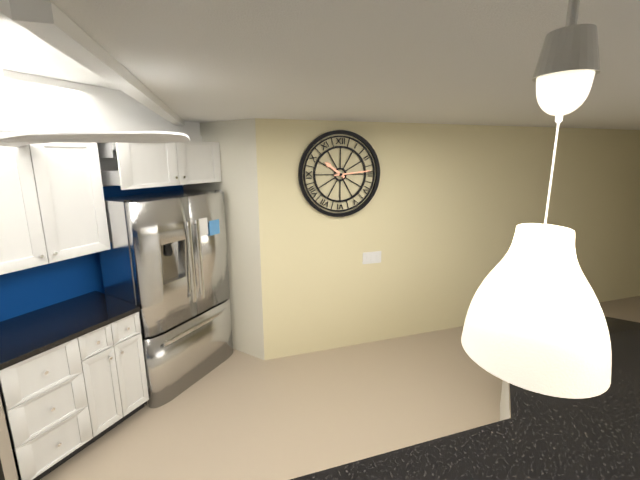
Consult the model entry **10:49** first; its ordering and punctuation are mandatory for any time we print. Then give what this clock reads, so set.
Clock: **10:14**
